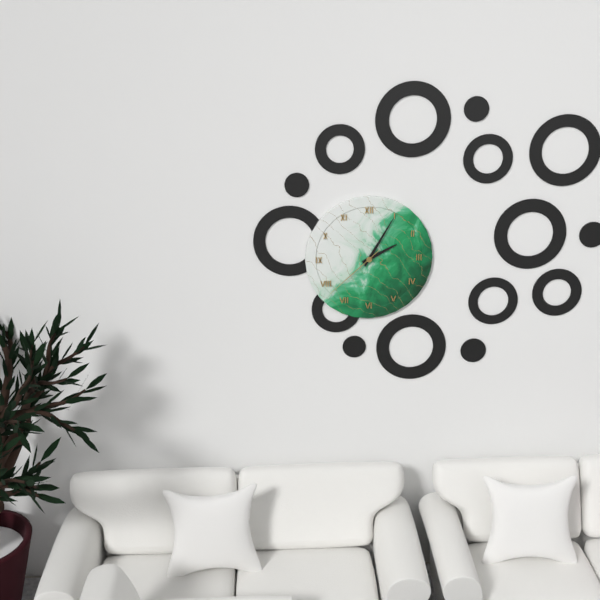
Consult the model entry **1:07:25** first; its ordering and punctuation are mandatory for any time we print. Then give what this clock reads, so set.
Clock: **2:05:38**
